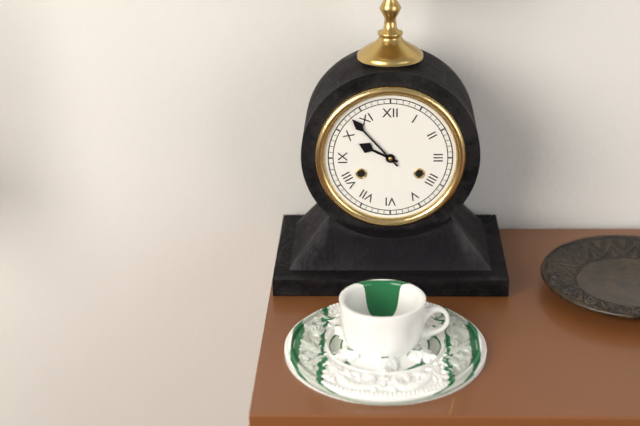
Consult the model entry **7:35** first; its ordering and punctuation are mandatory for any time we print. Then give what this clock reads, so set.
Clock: **9:53**
